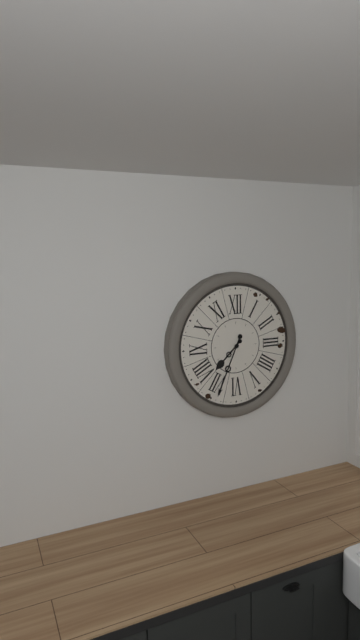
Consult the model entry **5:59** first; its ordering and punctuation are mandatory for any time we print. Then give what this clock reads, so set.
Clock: **7:34**
